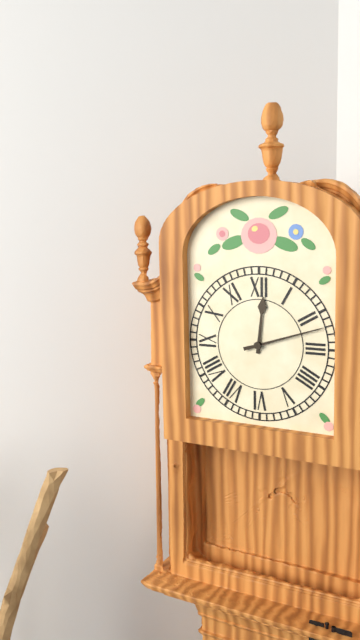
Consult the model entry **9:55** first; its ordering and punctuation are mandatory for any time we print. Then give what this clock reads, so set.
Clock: **12:12**
